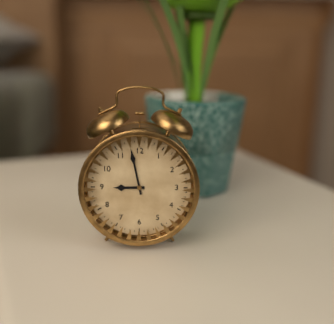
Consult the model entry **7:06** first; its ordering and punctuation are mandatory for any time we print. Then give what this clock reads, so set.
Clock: **8:58**
